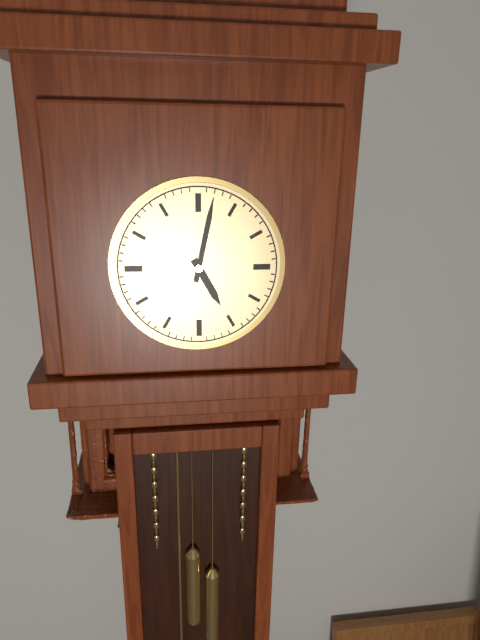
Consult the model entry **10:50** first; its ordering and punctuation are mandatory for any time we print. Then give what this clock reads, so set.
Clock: **5:02**
